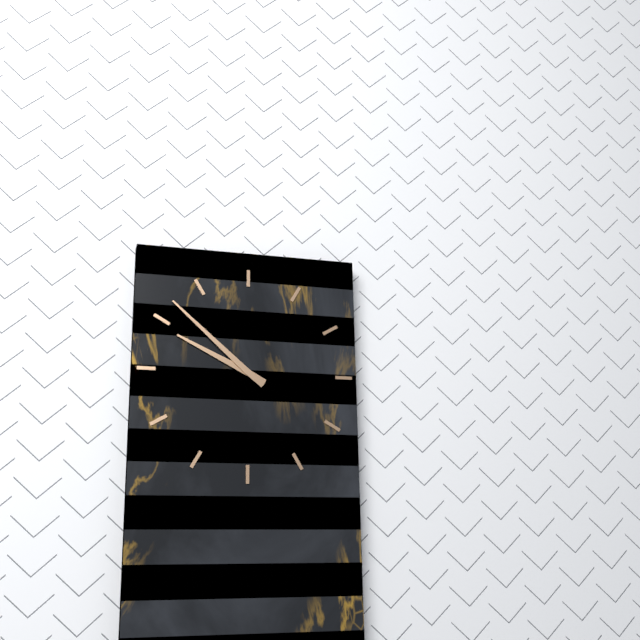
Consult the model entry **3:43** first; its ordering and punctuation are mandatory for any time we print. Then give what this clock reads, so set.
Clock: **9:52**
